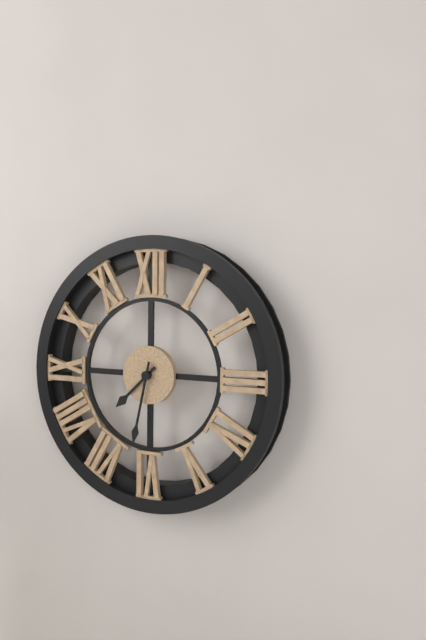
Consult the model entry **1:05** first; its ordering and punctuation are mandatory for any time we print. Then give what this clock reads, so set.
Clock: **7:32**
